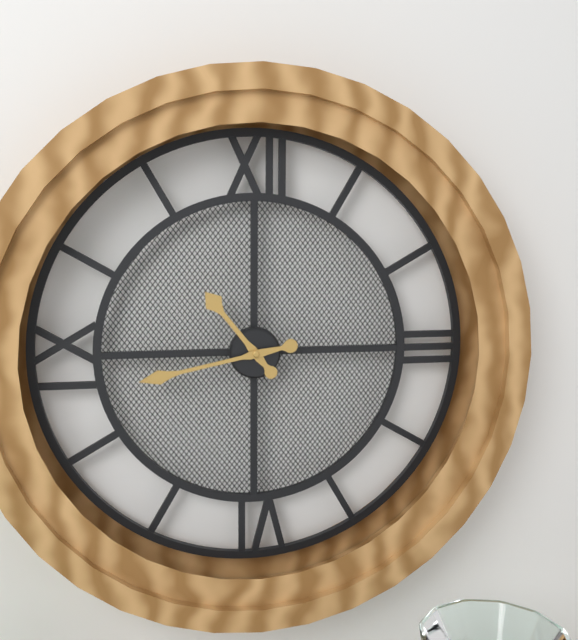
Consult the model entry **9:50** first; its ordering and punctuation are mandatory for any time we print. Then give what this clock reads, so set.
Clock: **10:43**
